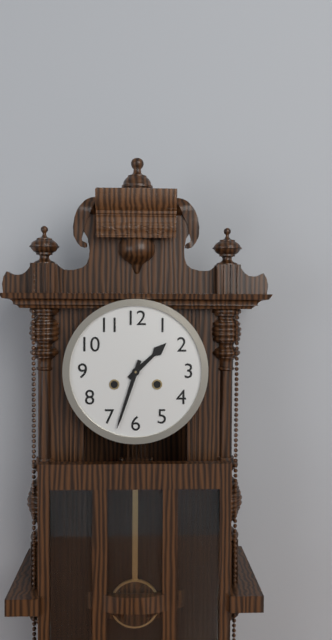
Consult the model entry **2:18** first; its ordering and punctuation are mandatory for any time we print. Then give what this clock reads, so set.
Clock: **1:33**
